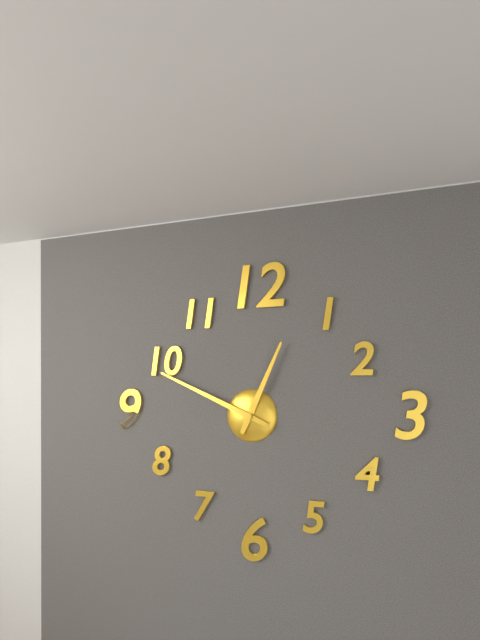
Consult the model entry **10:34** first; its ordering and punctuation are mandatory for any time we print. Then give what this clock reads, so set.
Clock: **12:49**
